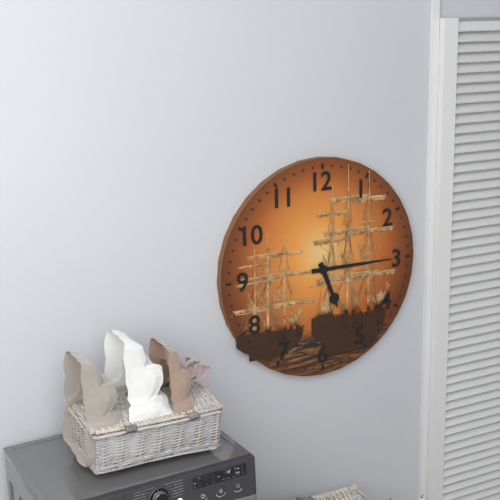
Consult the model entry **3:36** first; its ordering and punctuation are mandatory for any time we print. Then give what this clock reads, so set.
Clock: **5:15**
